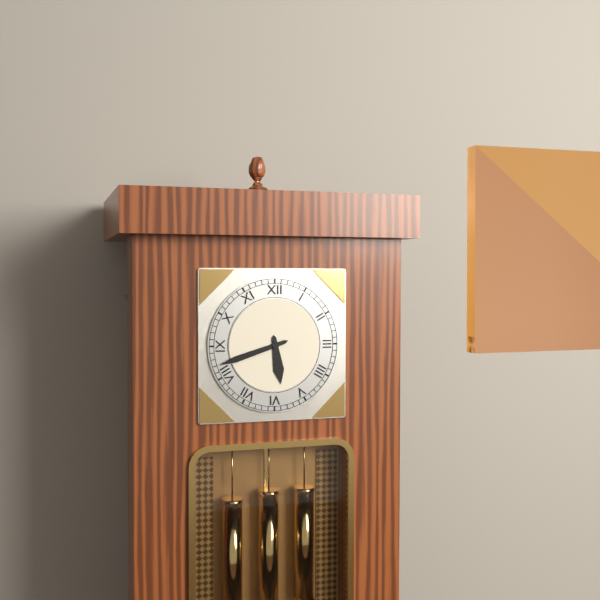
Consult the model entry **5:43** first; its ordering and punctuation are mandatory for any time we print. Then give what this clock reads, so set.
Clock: **5:42**
